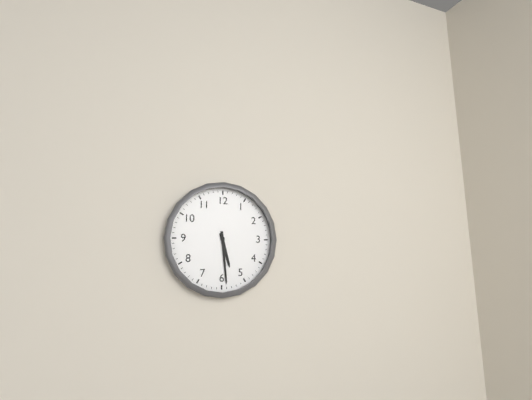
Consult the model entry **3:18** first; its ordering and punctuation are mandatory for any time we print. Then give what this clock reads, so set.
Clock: **5:29**
